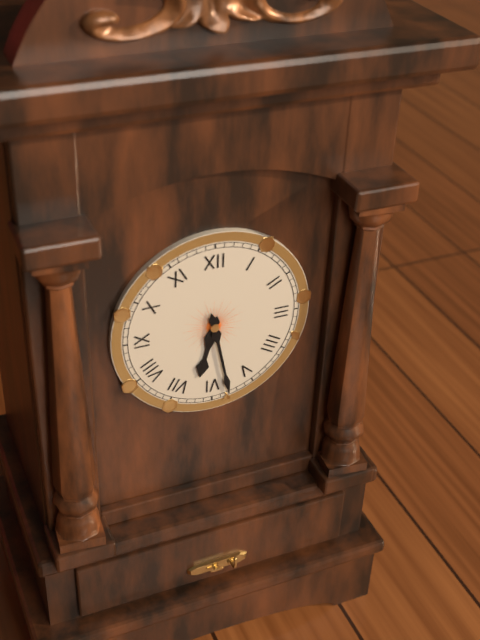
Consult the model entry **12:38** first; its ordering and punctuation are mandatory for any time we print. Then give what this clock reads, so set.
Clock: **6:28**
